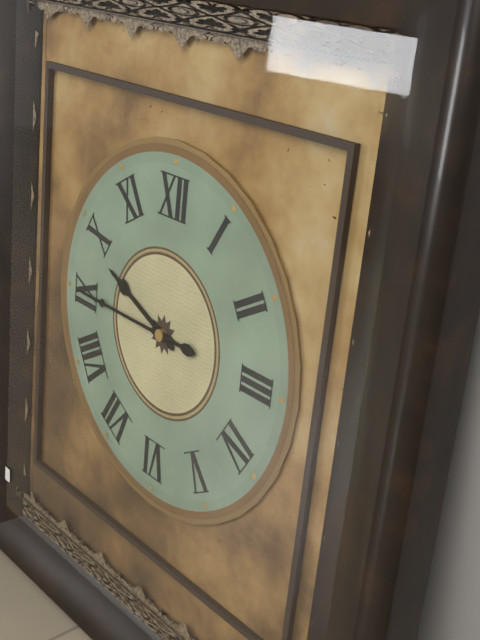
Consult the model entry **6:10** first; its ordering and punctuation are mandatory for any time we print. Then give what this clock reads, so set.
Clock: **9:45**
